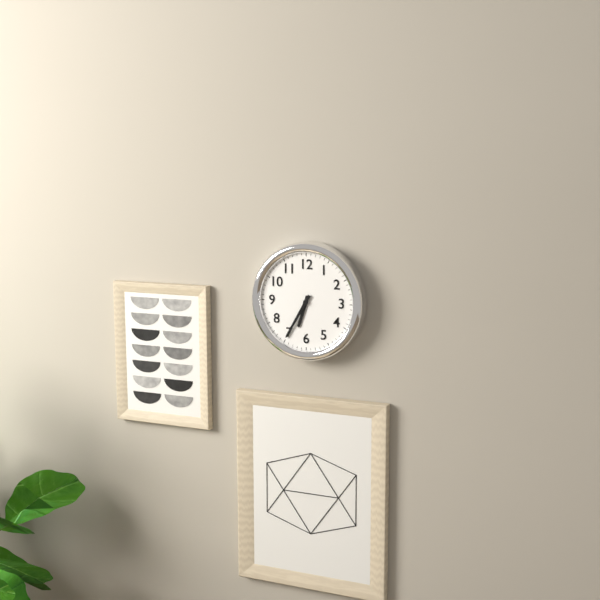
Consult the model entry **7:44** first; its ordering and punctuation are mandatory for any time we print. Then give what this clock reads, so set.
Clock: **6:35**
